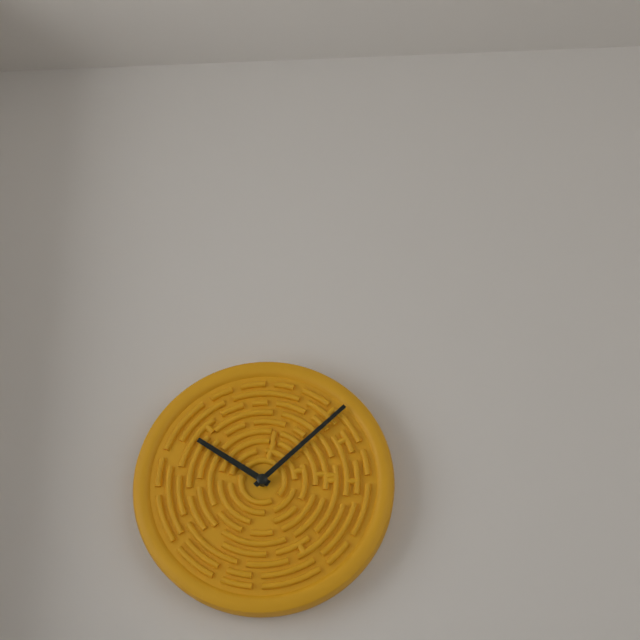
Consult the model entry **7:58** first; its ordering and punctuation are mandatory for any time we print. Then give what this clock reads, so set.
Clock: **10:08**
